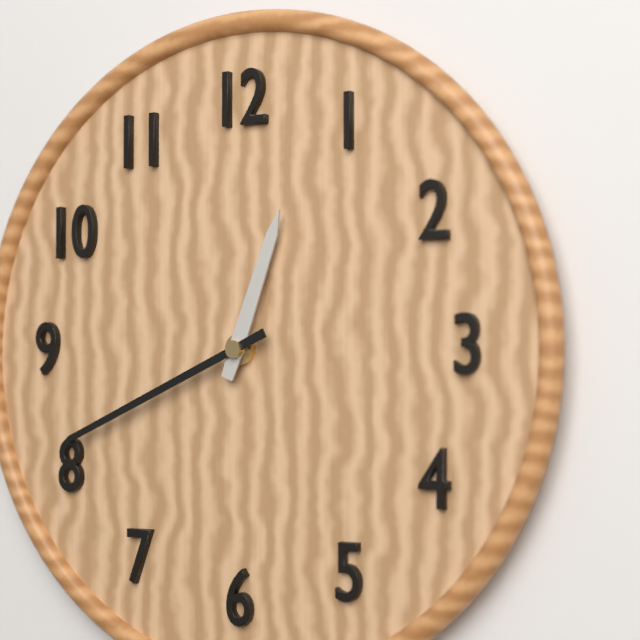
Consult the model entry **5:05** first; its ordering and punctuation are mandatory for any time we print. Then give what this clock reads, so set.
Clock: **12:41**
